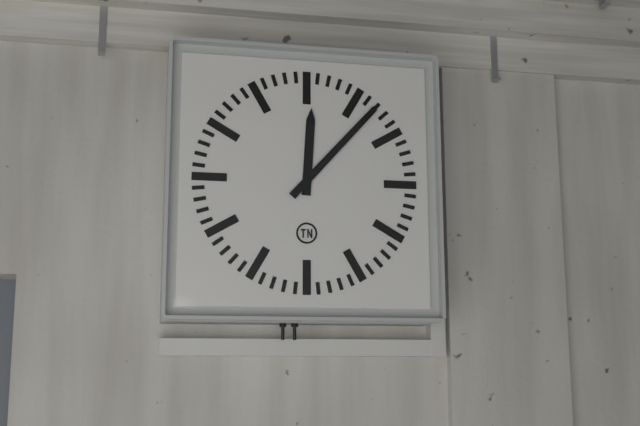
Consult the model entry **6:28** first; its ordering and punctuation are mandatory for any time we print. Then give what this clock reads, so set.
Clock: **12:07**
